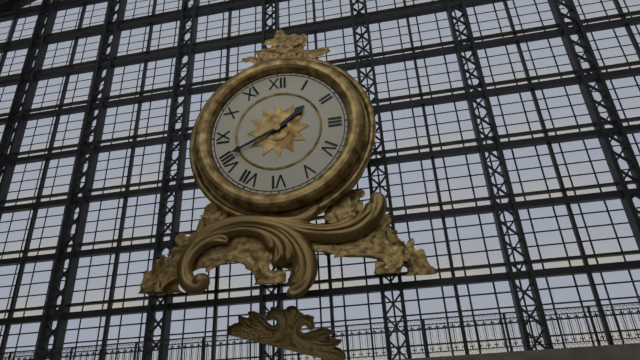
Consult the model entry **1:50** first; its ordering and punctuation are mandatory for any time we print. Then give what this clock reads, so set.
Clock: **1:41**
